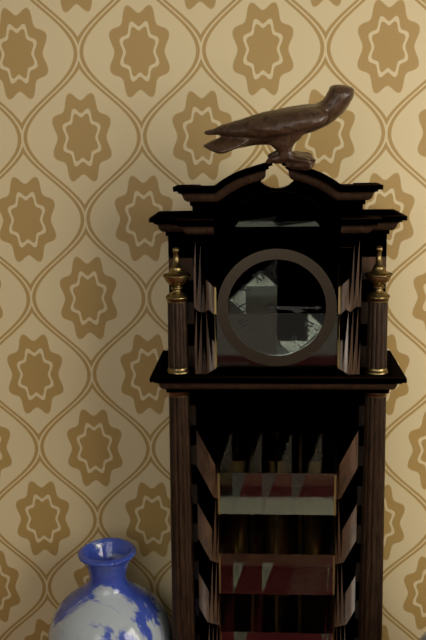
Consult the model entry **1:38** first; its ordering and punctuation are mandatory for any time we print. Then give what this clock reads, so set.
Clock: **3:15**
